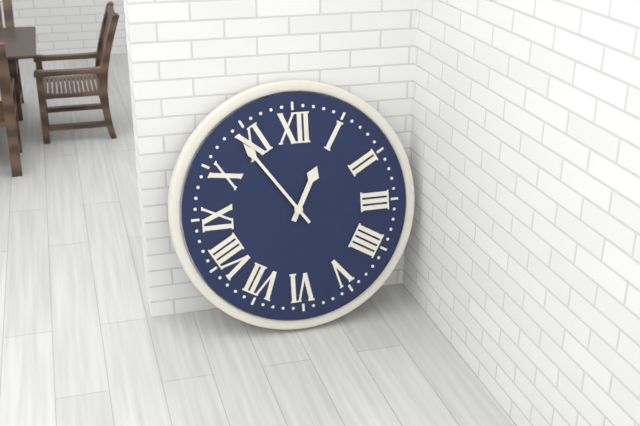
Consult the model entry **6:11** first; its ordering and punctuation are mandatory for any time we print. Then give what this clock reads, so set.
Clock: **12:54**
